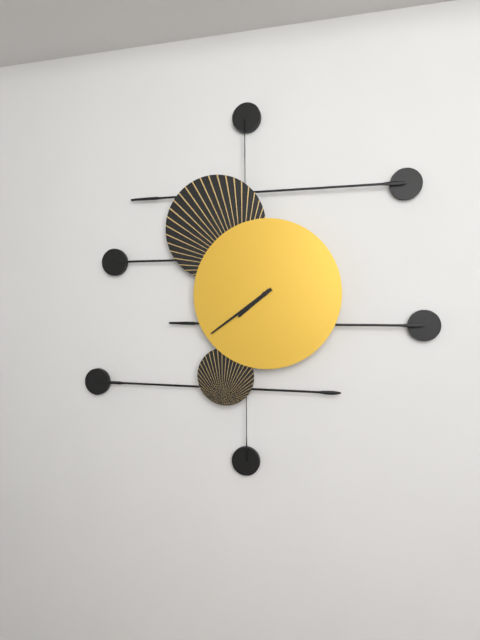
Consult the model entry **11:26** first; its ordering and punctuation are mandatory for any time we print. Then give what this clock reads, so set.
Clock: **7:39**
